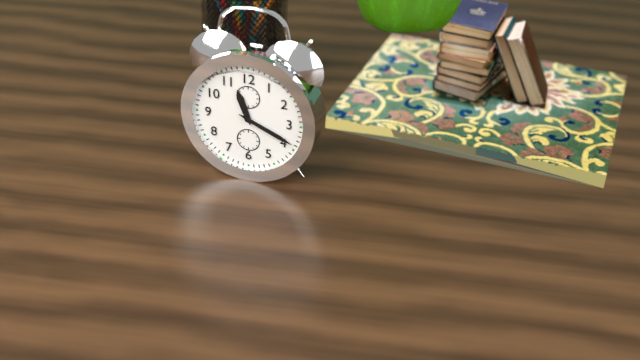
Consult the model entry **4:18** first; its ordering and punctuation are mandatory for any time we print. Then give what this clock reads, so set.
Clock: **11:19**
